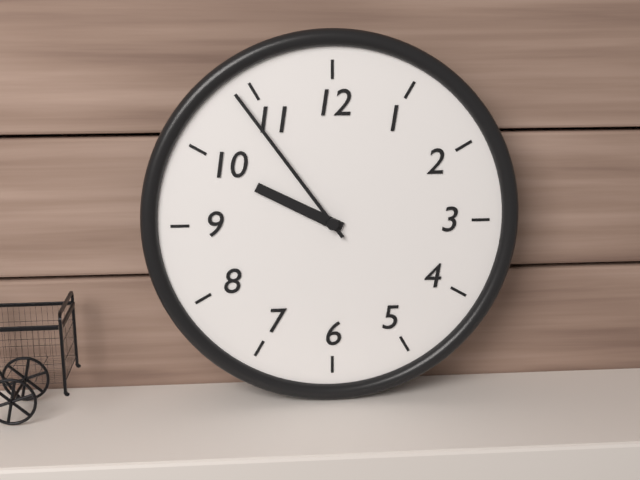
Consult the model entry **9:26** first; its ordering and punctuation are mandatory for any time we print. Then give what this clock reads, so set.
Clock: **9:54**
